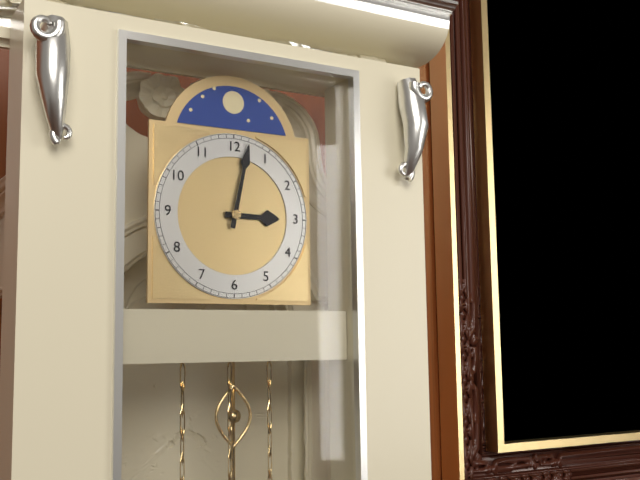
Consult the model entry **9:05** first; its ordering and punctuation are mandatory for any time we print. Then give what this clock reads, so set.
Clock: **3:02**
